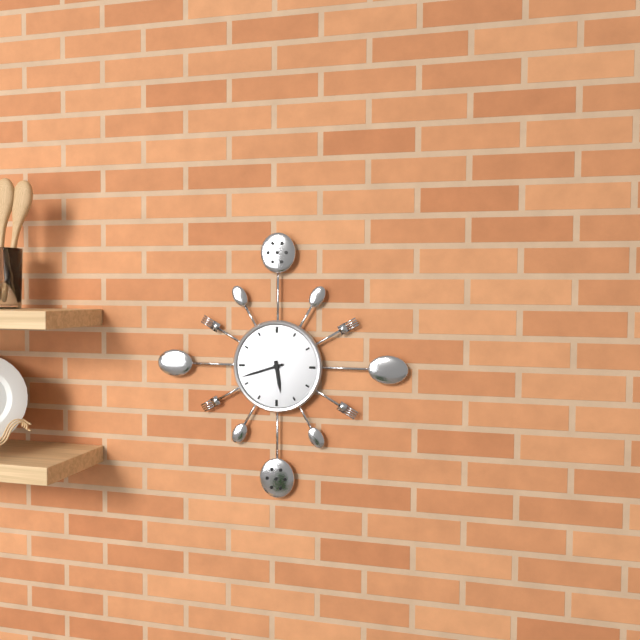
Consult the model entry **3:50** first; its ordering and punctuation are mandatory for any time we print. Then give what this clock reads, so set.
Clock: **5:42**
